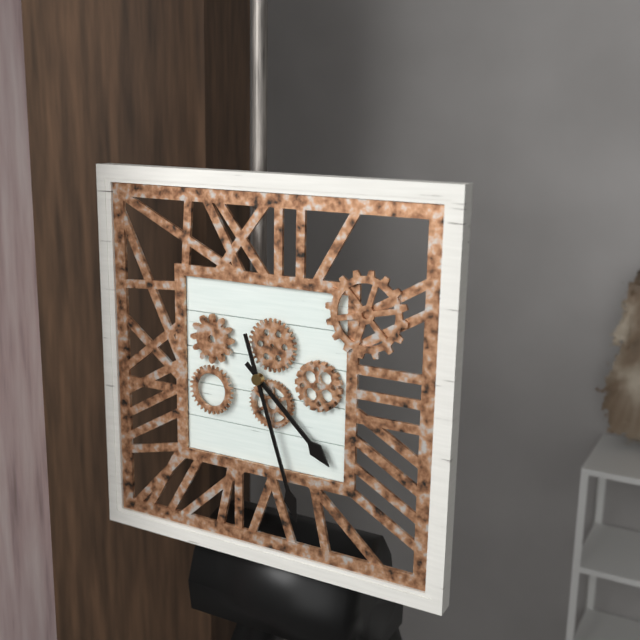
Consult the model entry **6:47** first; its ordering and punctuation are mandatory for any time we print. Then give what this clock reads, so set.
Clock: **4:27**
